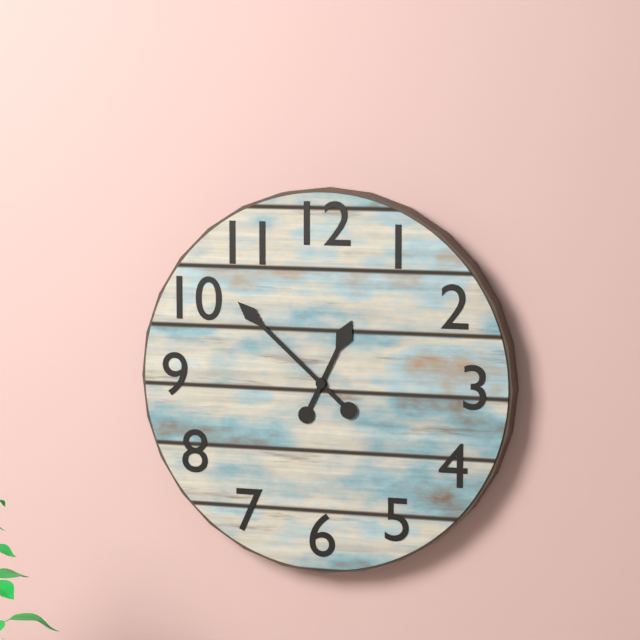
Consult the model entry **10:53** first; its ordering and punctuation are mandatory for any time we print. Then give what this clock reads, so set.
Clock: **12:52**
